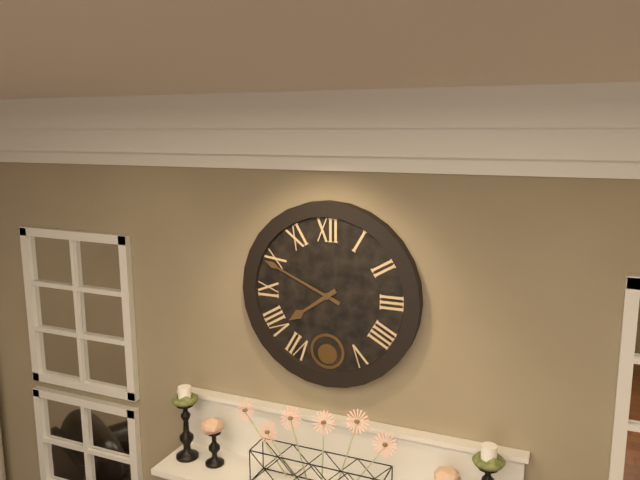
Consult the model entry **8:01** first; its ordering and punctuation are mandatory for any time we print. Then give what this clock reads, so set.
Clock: **7:49**
